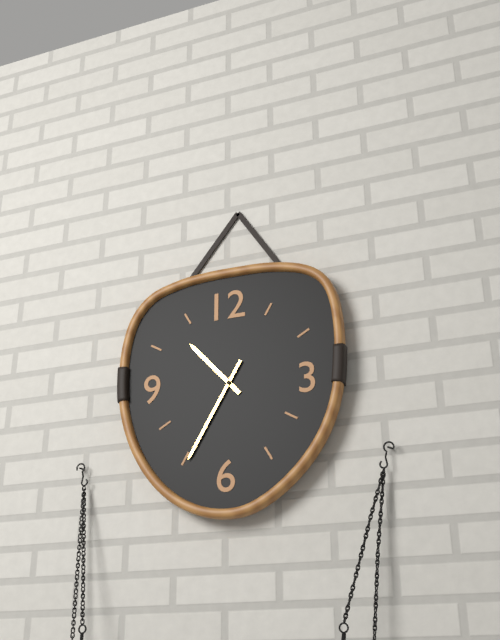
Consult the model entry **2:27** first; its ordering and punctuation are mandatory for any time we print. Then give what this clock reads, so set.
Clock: **10:35**
